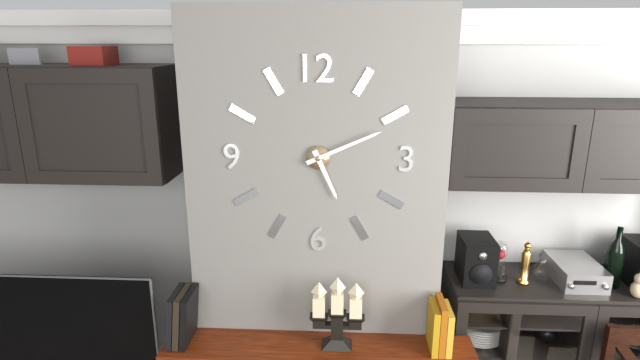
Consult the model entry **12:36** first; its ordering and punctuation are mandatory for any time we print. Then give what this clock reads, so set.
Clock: **5:11**
